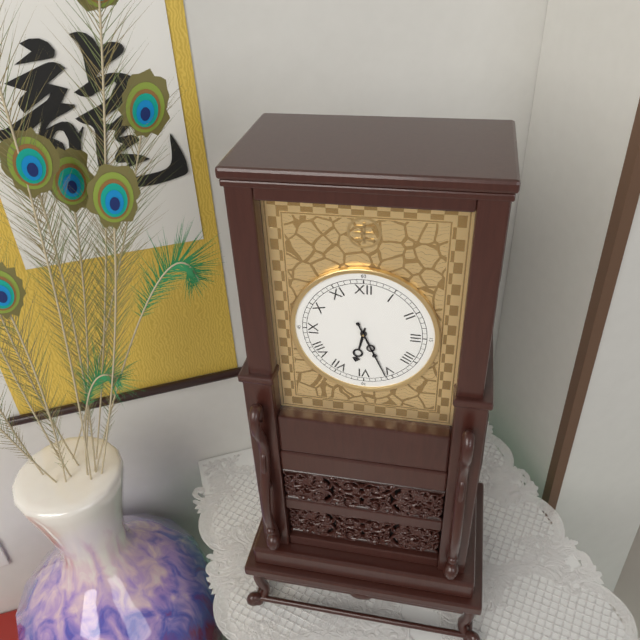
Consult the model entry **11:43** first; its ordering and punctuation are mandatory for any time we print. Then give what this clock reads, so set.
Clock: **6:26**
